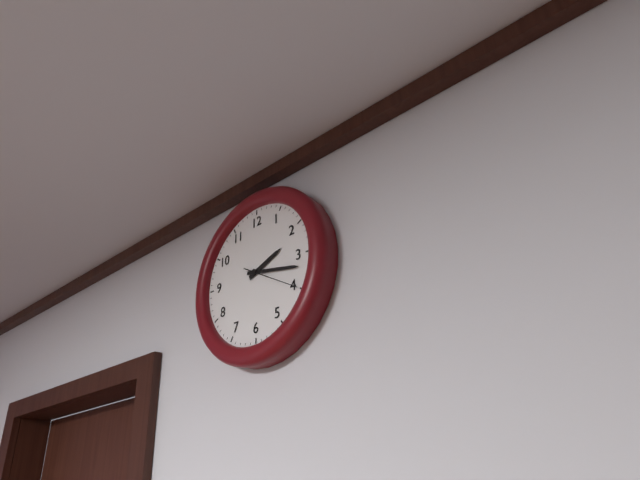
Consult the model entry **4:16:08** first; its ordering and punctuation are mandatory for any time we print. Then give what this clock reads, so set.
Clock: **2:17:20**
